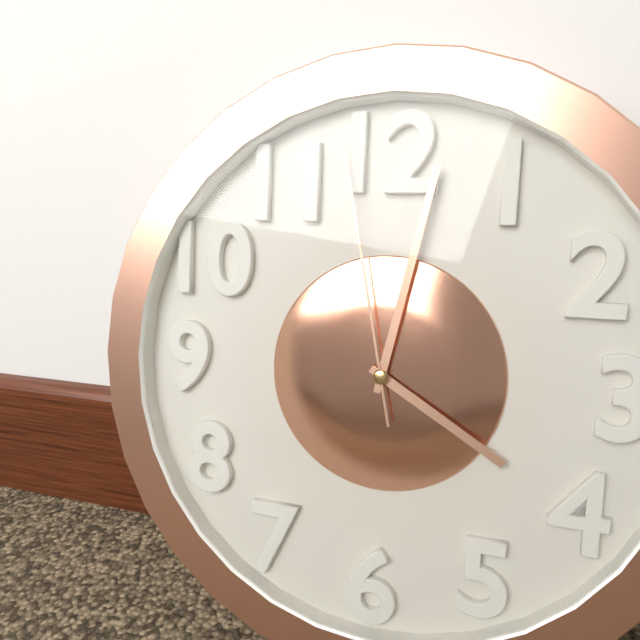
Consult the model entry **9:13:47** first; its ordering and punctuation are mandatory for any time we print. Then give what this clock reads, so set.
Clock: **4:02:58**
